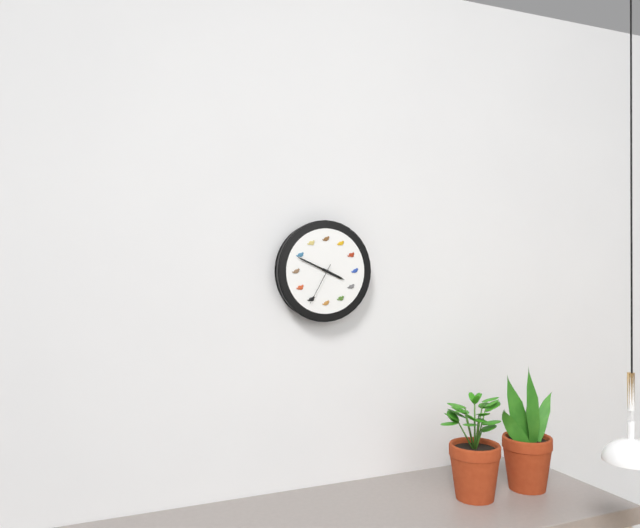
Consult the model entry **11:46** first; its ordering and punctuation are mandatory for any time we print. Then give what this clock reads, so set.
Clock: **3:49**
